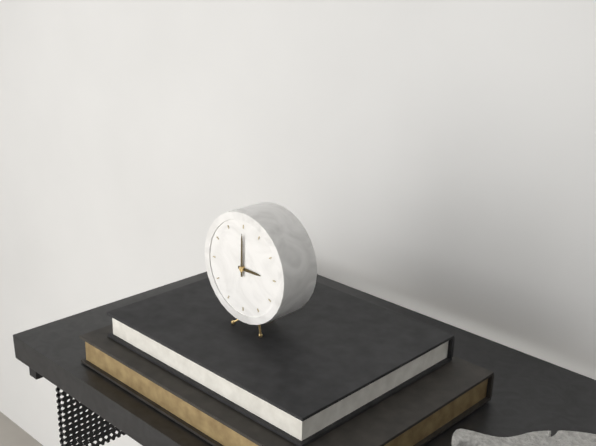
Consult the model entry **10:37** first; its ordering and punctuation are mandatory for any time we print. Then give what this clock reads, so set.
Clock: **3:00**
